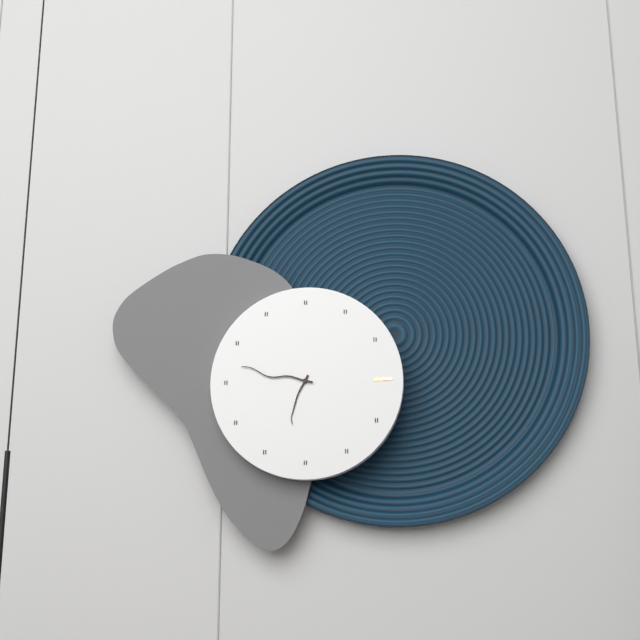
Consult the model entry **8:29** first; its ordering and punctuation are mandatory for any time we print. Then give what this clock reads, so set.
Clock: **6:47**
